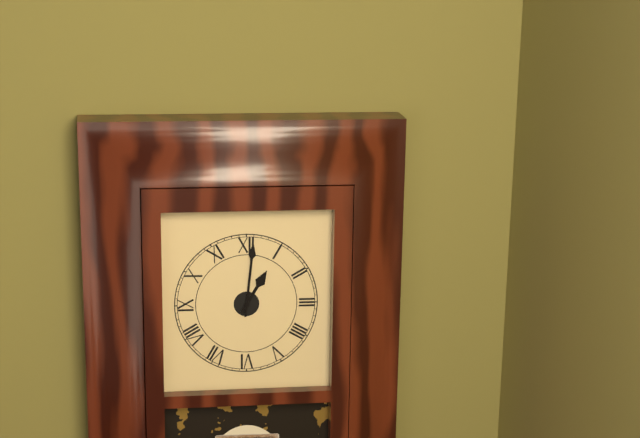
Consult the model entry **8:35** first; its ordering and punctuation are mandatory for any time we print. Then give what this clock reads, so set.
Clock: **1:01**
